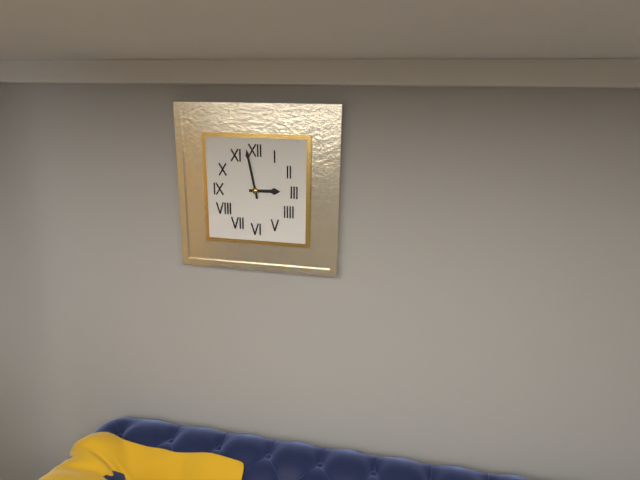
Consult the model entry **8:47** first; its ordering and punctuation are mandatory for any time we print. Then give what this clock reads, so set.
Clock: **2:58**
